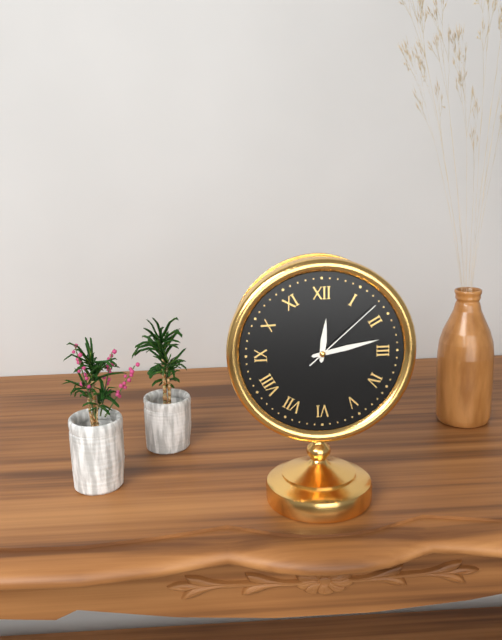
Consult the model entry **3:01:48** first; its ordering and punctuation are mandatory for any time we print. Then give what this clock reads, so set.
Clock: **12:13:08**
